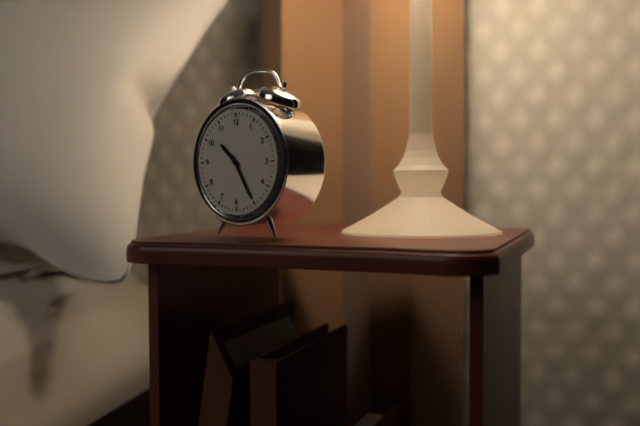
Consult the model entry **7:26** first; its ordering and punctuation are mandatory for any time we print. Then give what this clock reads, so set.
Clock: **10:25**
